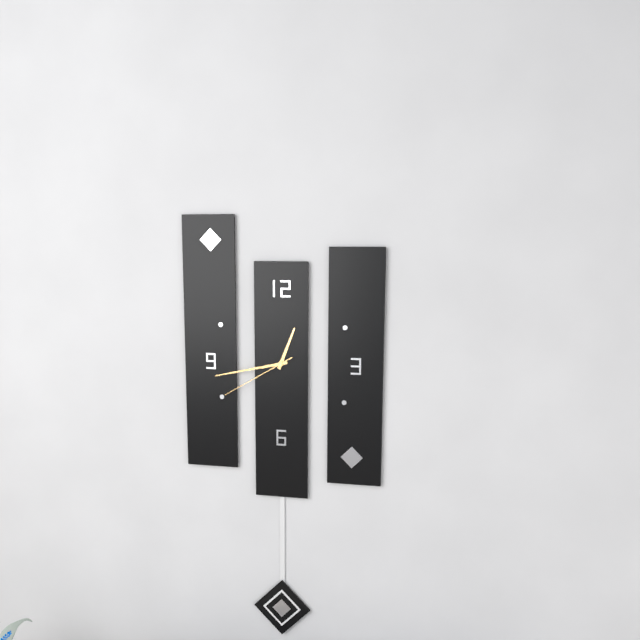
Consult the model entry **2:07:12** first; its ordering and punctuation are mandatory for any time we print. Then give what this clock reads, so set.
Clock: **12:43:40**
